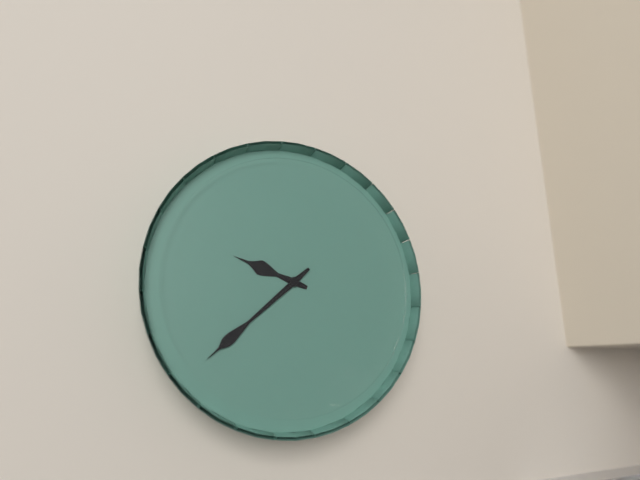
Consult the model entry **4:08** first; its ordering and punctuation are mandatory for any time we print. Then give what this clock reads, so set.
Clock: **9:38**
